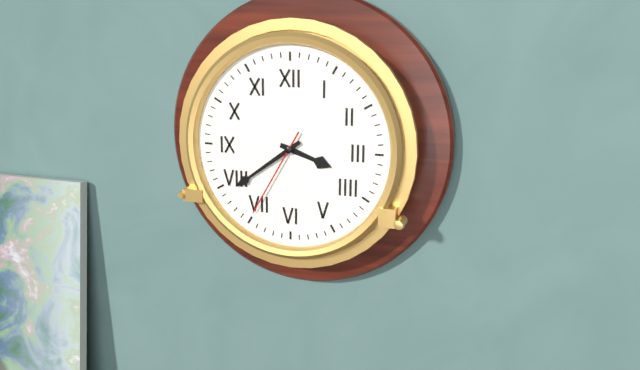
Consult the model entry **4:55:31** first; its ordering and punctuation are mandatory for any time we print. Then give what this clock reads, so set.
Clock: **3:39:35**
